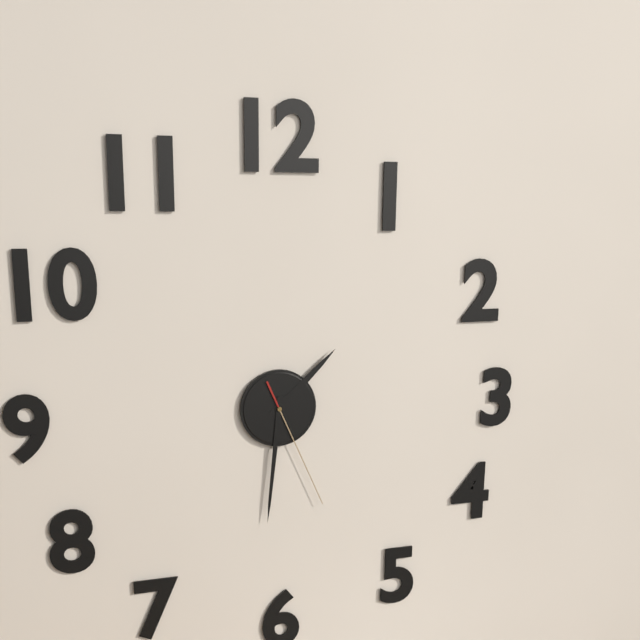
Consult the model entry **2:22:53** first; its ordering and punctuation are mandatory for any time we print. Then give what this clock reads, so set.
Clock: **1:31:26**
